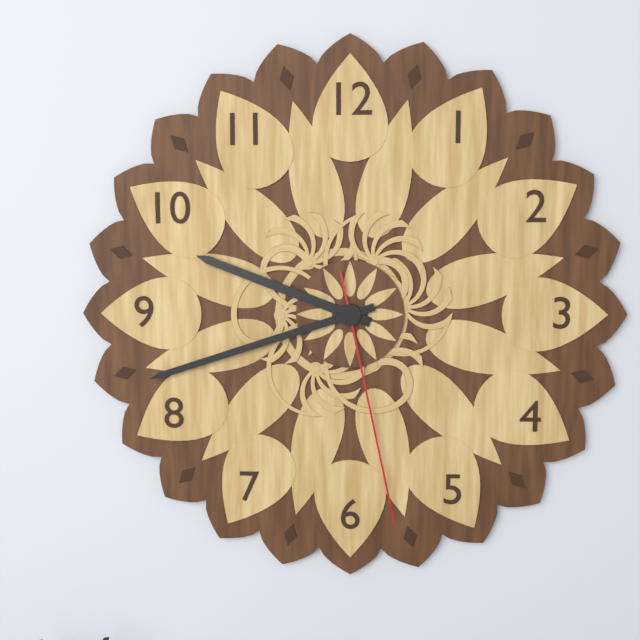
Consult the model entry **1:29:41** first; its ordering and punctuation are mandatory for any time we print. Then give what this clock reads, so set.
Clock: **9:42:28**
